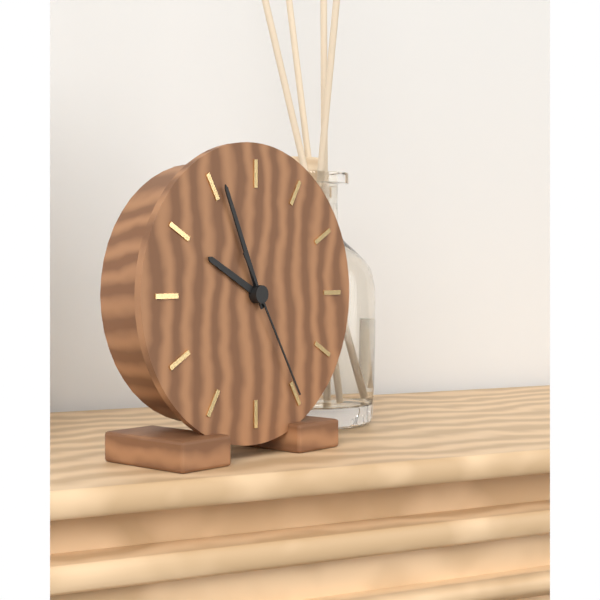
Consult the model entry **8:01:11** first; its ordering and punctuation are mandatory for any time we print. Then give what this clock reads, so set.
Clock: **9:56:25**
